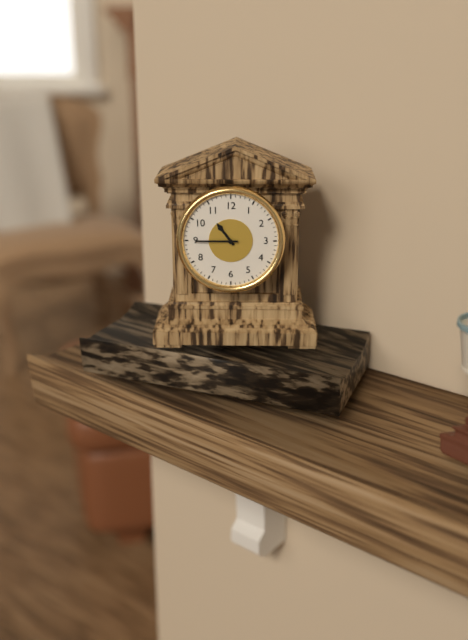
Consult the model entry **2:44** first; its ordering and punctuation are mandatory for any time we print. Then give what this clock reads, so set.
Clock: **10:45**
